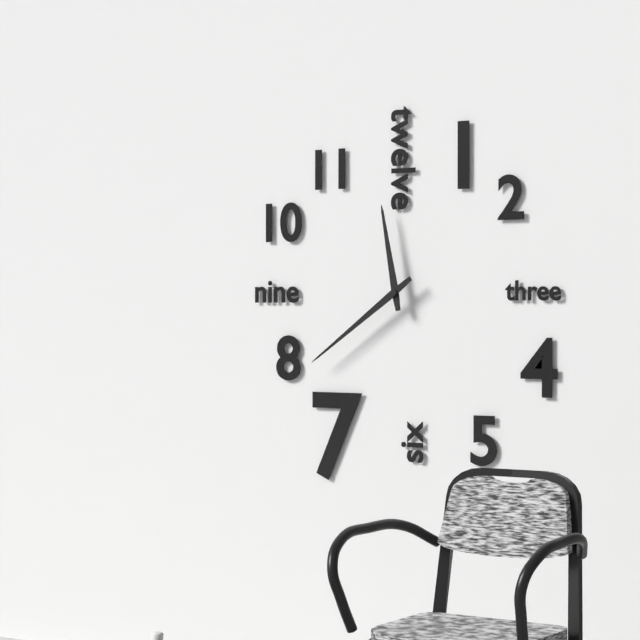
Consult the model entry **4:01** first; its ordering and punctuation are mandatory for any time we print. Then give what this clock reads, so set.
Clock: **11:39**
